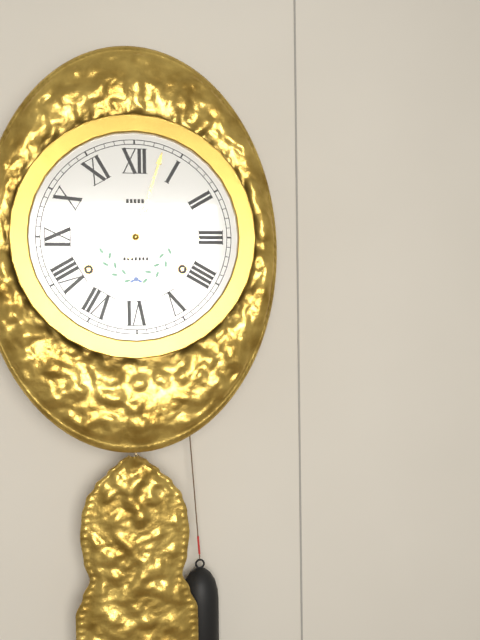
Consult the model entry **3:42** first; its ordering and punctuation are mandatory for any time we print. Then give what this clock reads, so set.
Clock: **3:03**
